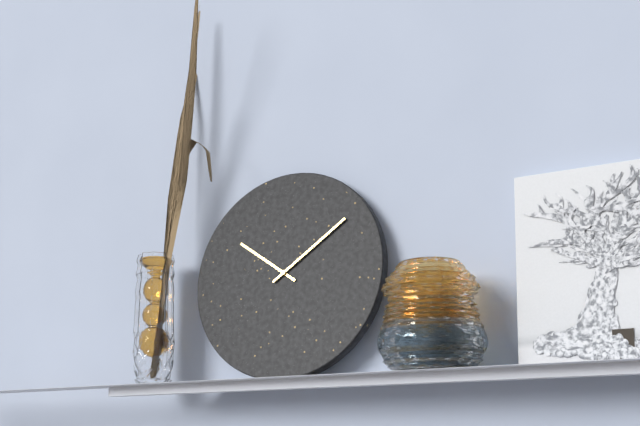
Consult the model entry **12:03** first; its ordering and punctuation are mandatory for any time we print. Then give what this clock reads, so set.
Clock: **10:09**
